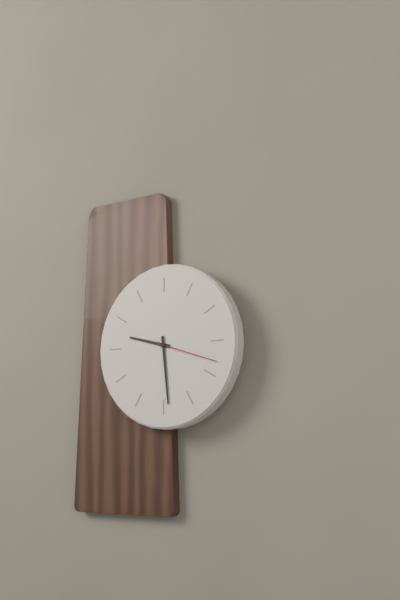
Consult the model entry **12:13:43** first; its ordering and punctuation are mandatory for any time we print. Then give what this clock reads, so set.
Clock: **9:29:18**
